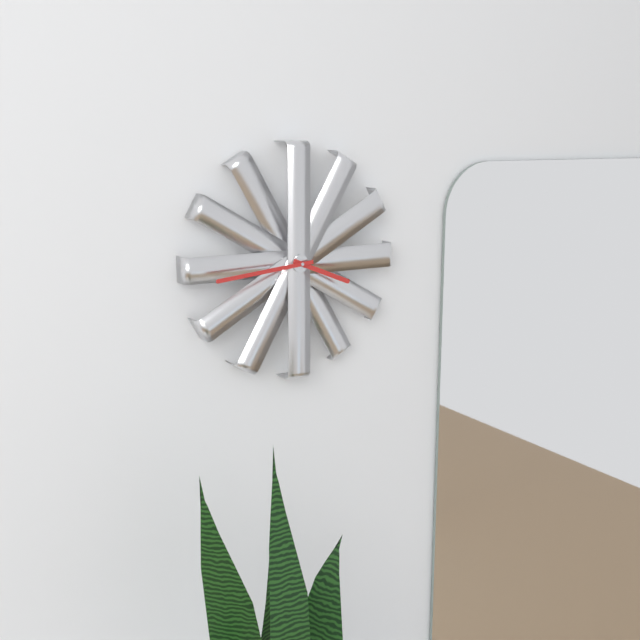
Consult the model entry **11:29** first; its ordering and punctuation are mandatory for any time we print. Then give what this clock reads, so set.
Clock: **3:44**
